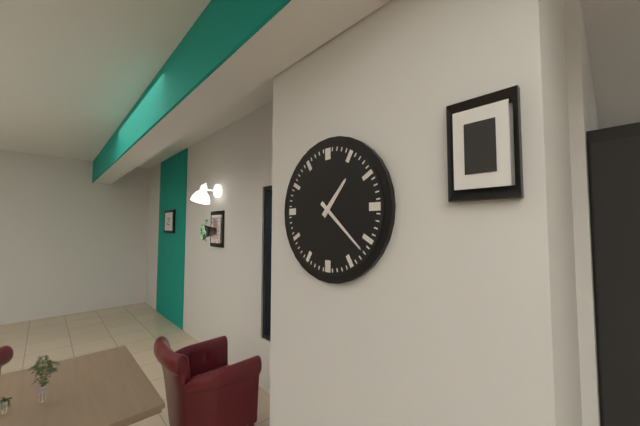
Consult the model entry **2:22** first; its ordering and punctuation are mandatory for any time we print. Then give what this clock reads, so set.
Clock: **1:22**
